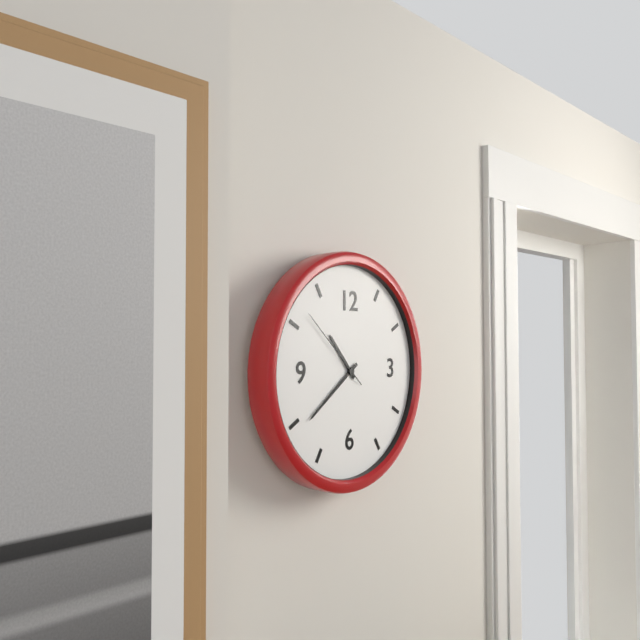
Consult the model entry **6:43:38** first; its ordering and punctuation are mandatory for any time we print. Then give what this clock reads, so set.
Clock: **10:39:52**
